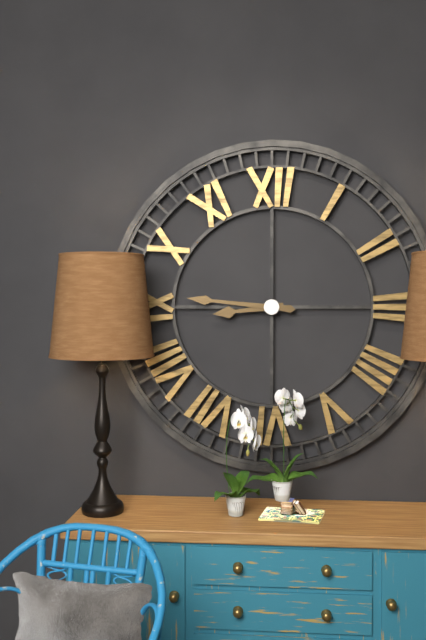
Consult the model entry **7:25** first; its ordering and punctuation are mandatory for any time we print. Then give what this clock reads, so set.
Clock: **8:46**
